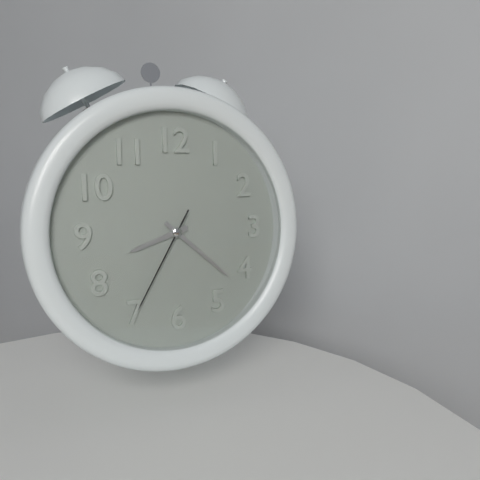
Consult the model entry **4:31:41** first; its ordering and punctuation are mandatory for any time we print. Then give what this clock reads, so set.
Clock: **8:22:35**
